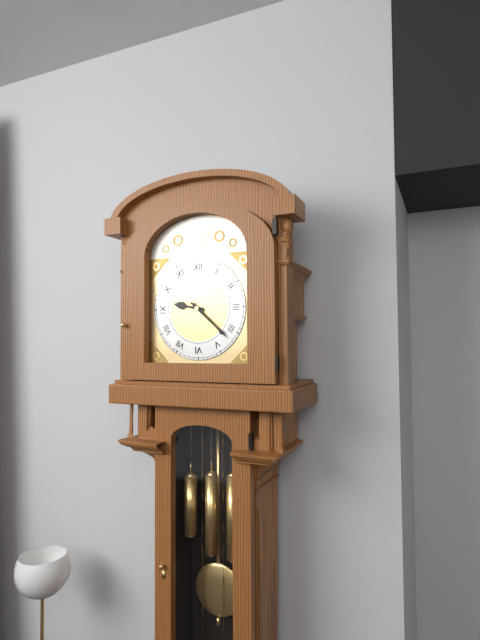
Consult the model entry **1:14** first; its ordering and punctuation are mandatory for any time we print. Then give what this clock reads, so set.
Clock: **9:22**
